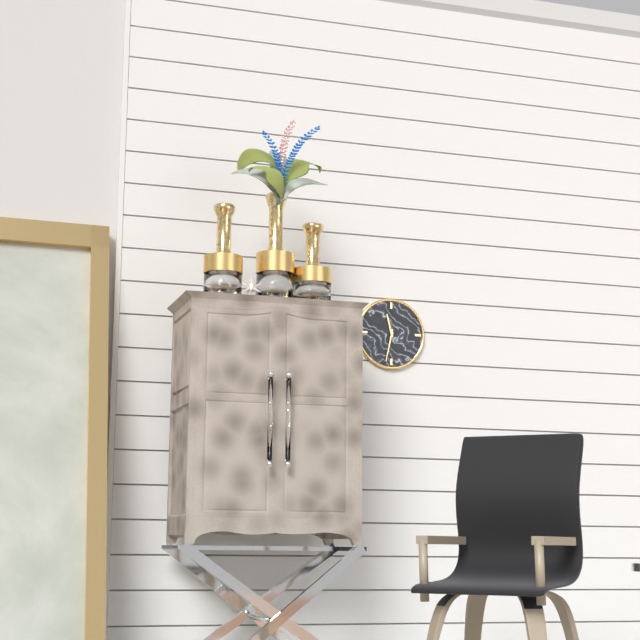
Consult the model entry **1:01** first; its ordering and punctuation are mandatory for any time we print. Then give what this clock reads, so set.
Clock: **11:32**
